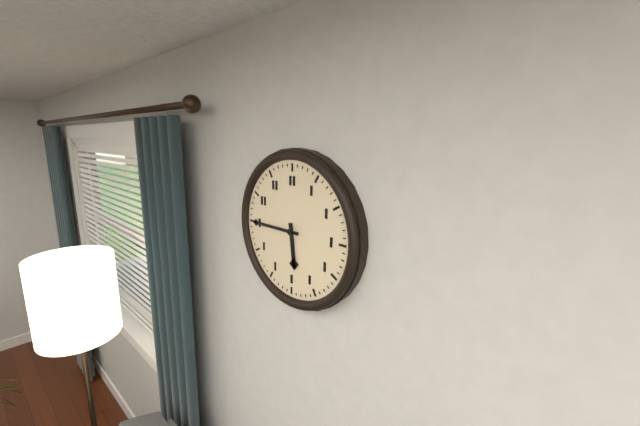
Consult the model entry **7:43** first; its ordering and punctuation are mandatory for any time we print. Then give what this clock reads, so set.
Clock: **5:45**
